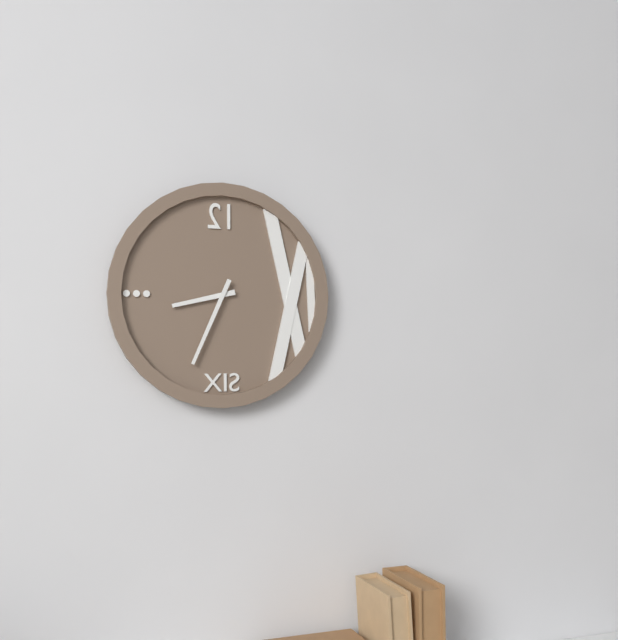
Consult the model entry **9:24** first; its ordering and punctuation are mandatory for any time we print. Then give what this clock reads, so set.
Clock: **8:34**
